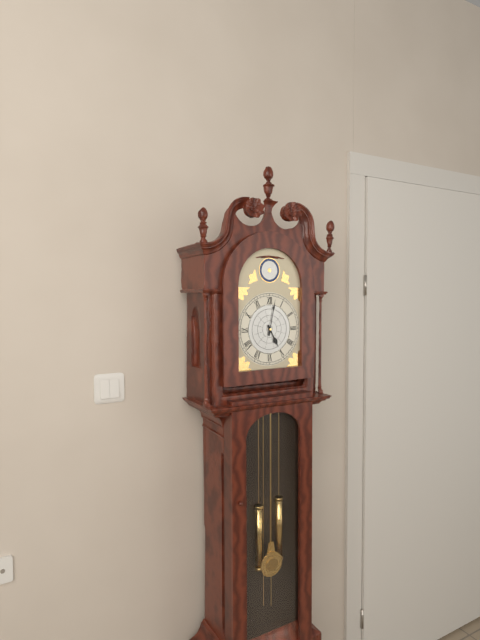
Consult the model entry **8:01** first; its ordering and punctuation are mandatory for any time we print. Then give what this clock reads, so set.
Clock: **5:02**
